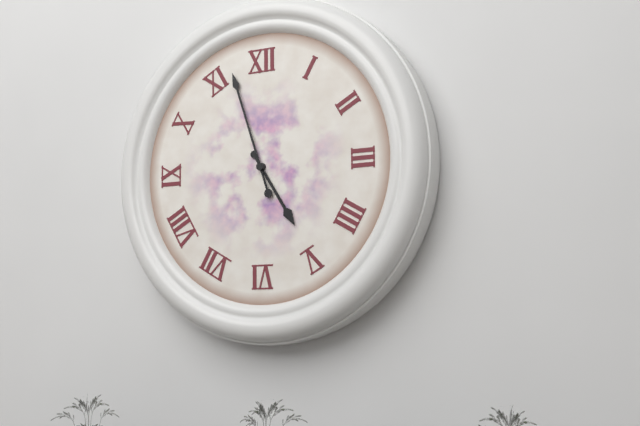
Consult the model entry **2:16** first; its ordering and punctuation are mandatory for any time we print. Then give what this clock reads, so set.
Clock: **4:57**
